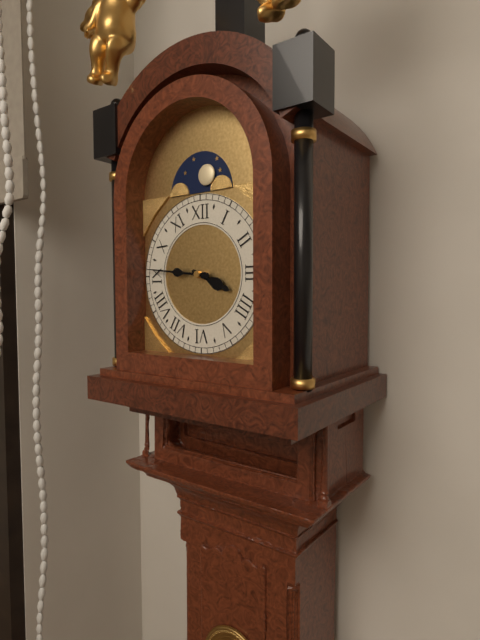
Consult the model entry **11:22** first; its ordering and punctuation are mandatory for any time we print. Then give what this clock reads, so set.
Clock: **3:46**
